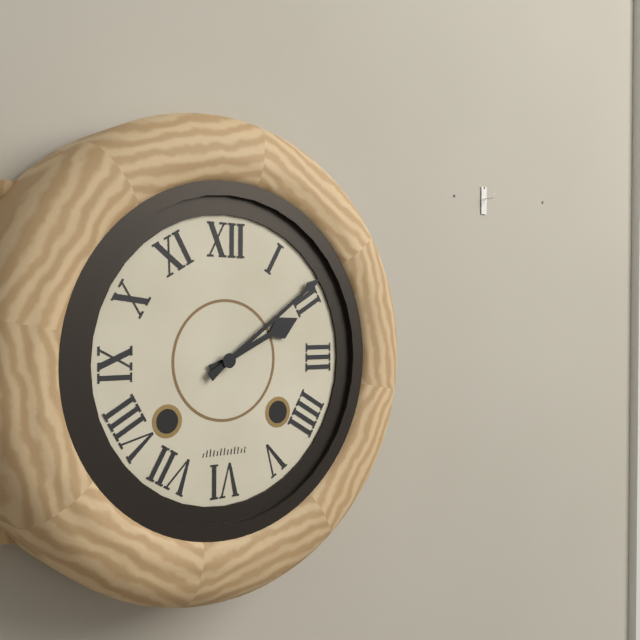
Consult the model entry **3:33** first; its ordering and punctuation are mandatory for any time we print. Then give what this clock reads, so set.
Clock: **2:09**
